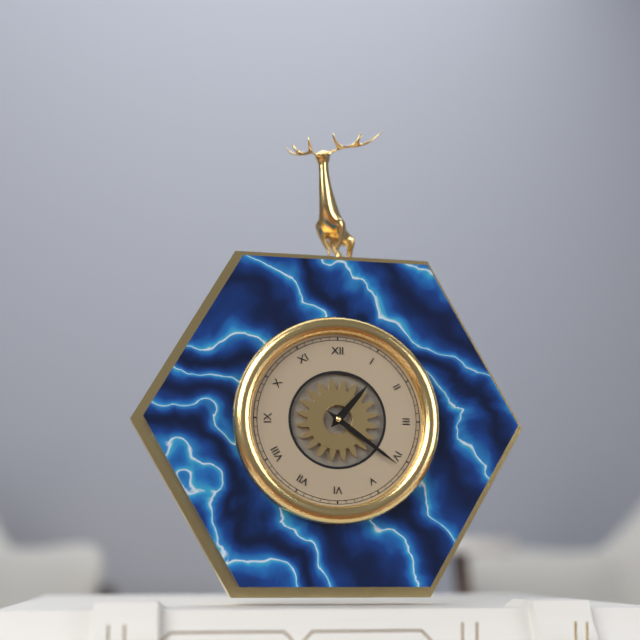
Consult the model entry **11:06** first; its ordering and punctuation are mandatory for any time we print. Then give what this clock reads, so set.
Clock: **1:21**
